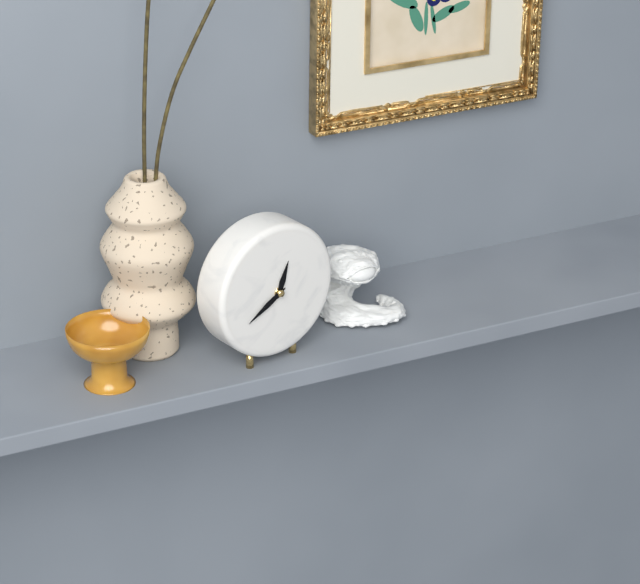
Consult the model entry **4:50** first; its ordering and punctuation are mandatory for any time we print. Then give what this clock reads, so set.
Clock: **12:40**
